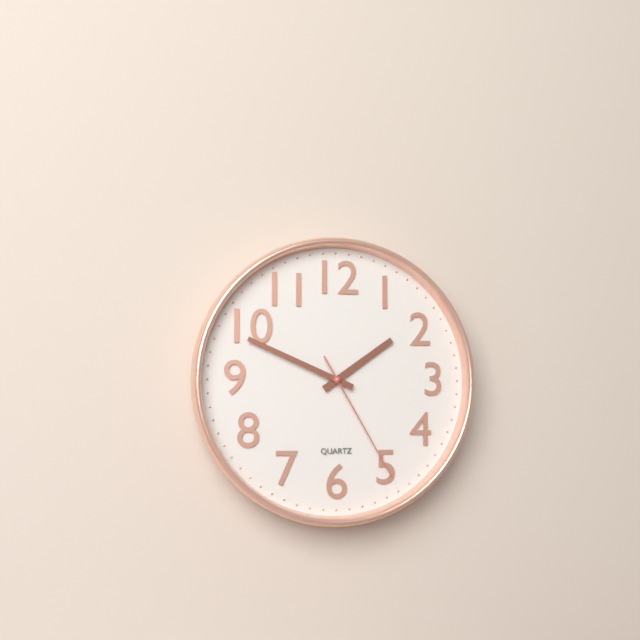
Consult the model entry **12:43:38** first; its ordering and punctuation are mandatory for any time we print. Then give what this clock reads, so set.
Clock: **1:49:25**
